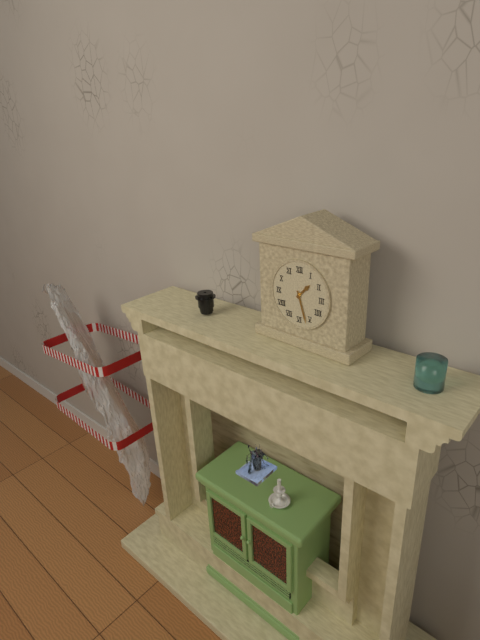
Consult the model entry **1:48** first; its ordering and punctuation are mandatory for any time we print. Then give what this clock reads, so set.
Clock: **1:27**
